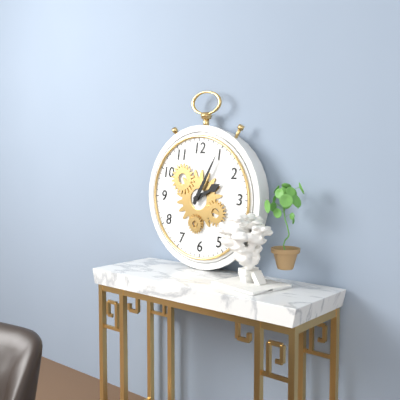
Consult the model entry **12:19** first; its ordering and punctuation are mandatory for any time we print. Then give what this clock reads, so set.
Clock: **2:05**
